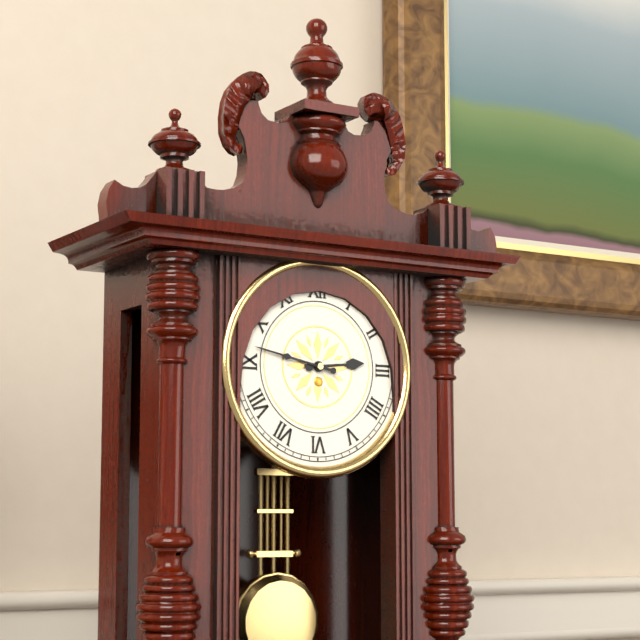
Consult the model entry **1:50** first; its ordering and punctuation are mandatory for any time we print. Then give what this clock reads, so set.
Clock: **2:47**
